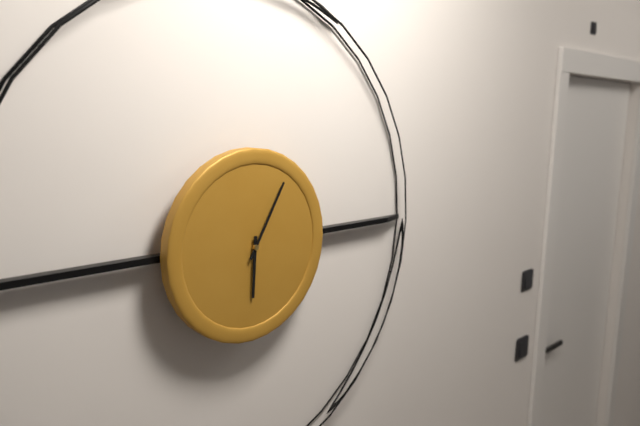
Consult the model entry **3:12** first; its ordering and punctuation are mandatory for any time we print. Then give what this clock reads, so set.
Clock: **6:05**
